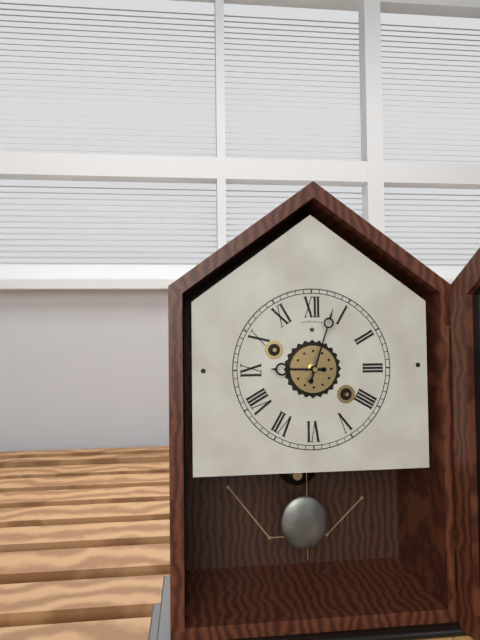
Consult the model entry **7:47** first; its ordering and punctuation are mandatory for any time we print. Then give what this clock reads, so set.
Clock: **9:03**
